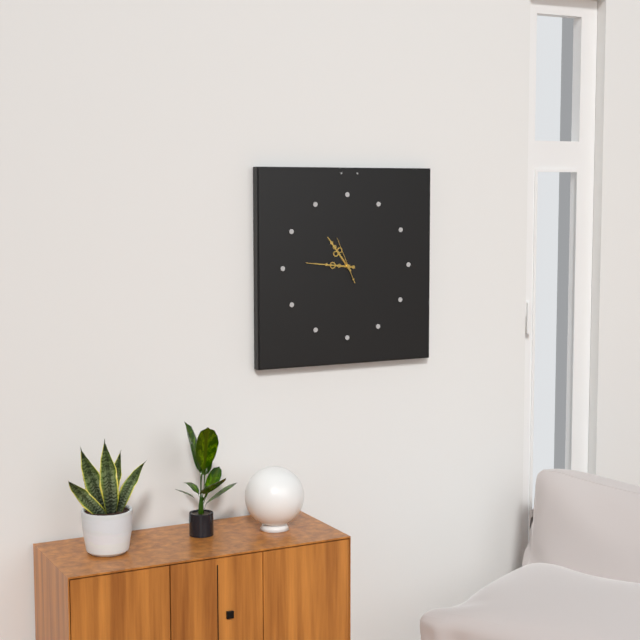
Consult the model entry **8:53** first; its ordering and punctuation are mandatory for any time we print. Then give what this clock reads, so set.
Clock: **10:46**
